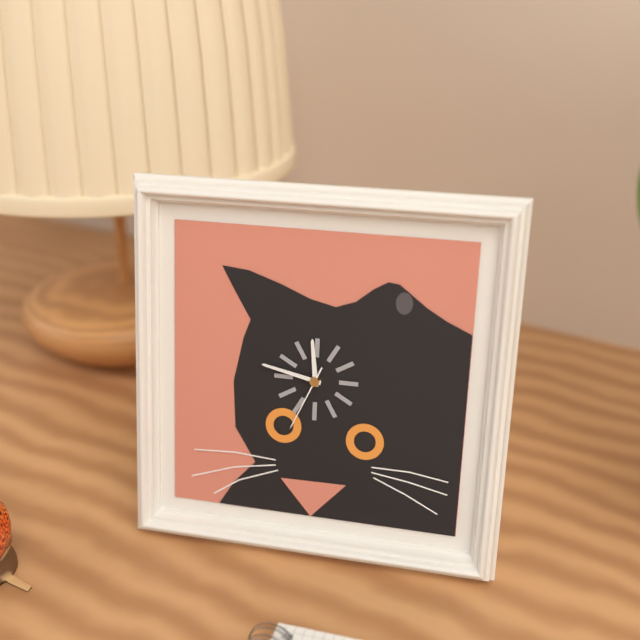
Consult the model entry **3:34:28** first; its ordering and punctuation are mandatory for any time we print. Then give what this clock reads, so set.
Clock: **11:47:34**
